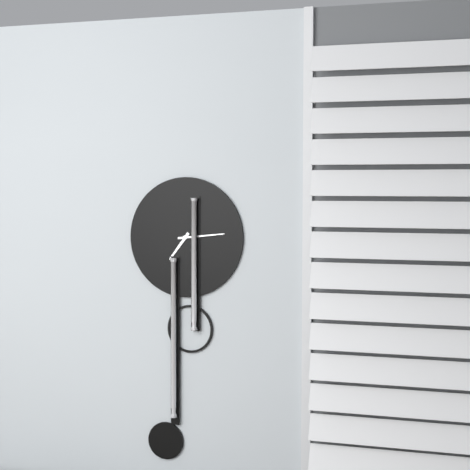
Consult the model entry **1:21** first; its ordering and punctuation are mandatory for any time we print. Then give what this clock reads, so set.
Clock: **7:14**
